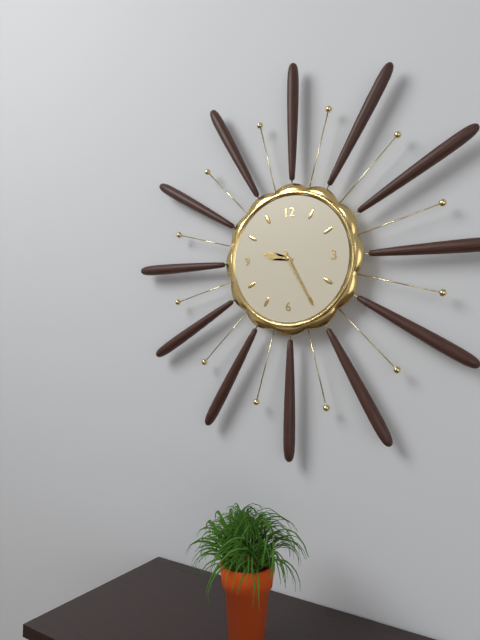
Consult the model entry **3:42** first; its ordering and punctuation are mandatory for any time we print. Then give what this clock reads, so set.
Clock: **9:25**
